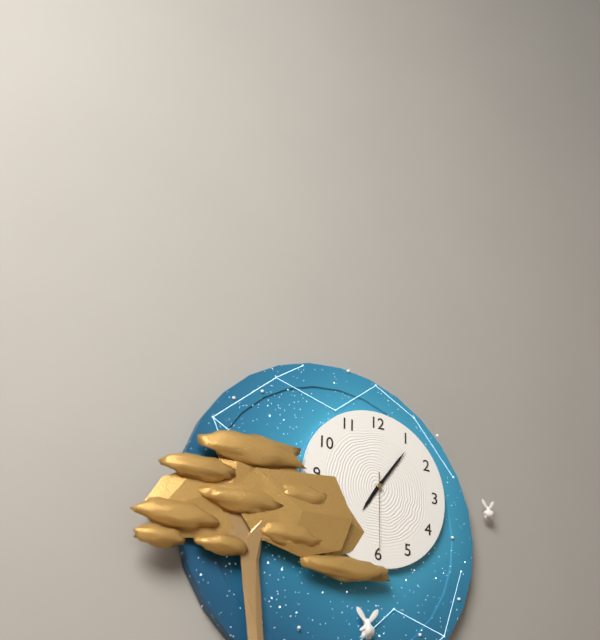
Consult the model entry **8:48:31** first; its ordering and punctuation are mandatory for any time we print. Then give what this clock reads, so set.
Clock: **7:06:30**
